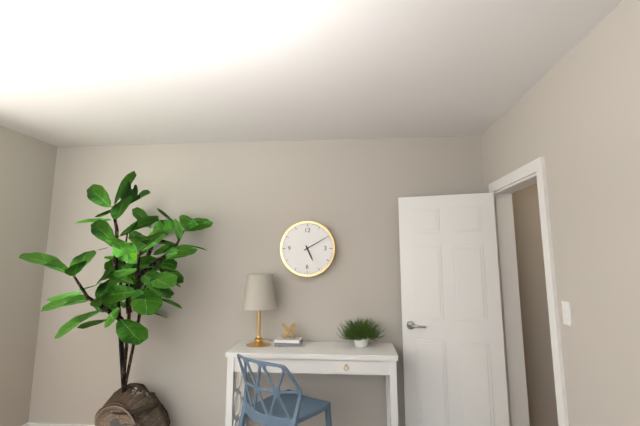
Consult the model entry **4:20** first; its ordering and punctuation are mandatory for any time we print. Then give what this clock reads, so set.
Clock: **5:10**
